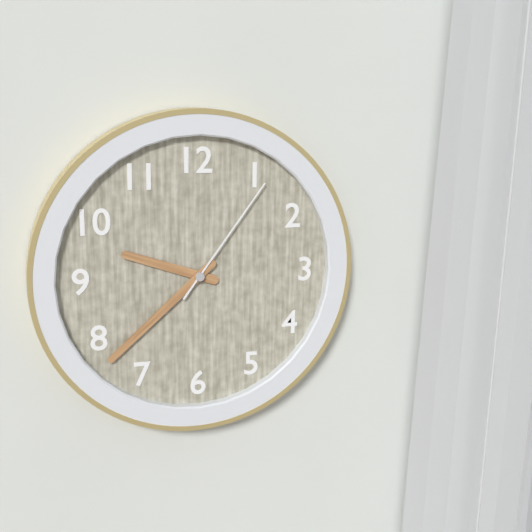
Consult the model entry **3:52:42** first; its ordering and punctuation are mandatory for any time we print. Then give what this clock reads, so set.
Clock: **9:38:06**
